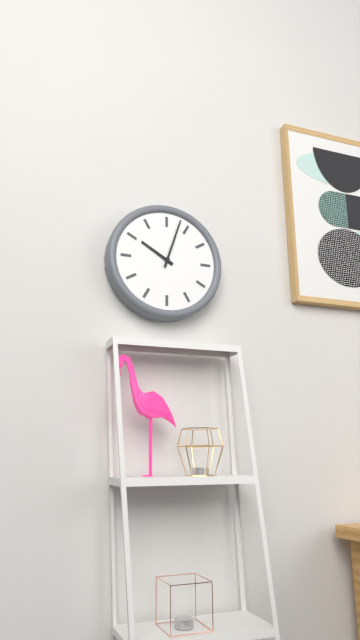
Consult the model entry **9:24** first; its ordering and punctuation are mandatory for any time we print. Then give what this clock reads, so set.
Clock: **10:03**
